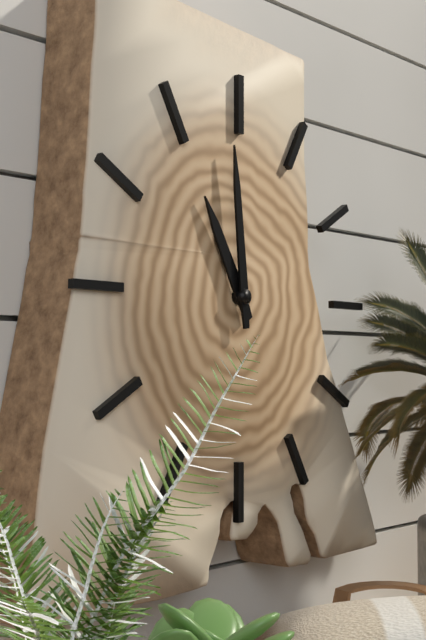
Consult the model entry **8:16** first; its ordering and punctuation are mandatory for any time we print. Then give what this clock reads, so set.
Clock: **10:59**
